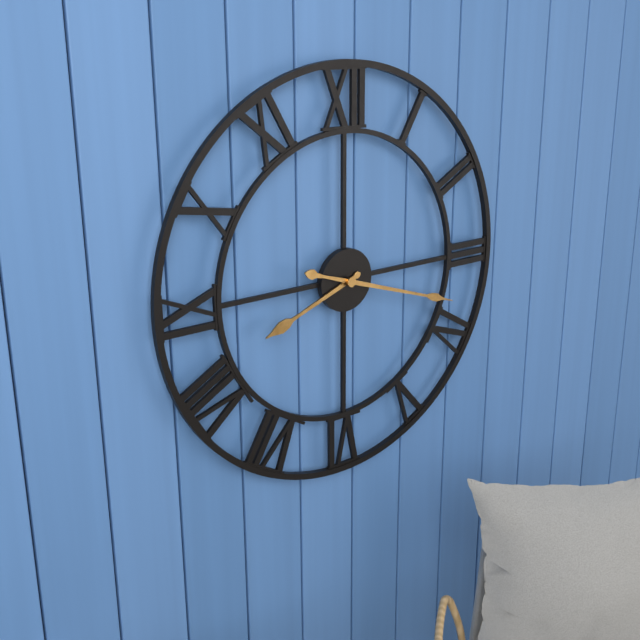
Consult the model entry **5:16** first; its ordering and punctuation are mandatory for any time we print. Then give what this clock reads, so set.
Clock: **8:18**
